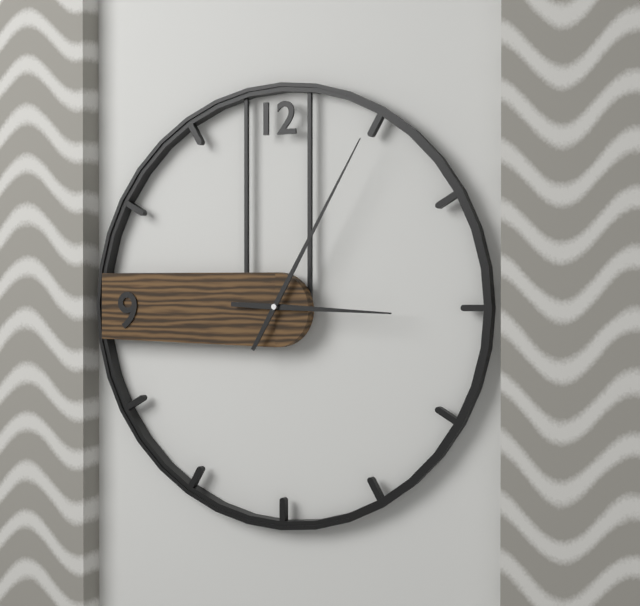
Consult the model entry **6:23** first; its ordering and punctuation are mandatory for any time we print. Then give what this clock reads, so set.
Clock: **3:05**
